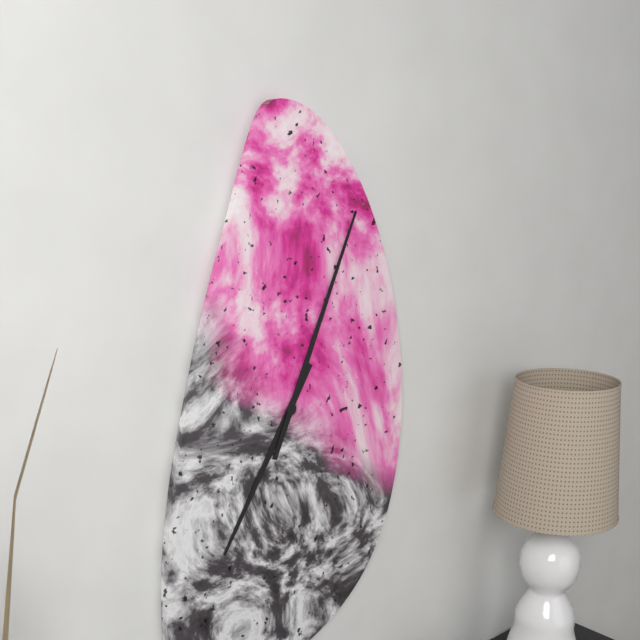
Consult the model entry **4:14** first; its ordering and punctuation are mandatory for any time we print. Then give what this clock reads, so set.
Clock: **7:04**
